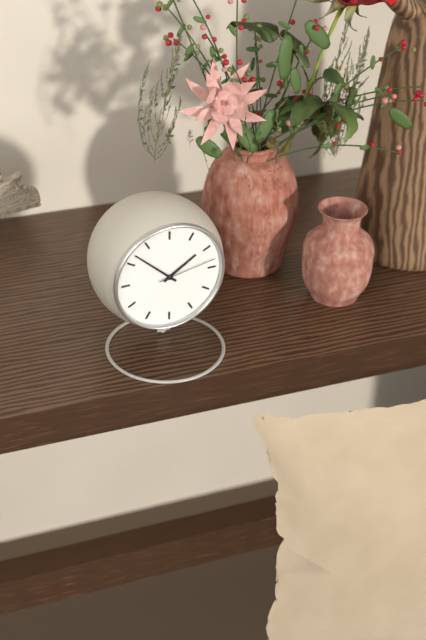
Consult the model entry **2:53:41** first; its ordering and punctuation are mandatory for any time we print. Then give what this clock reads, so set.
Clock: **1:52:13**
